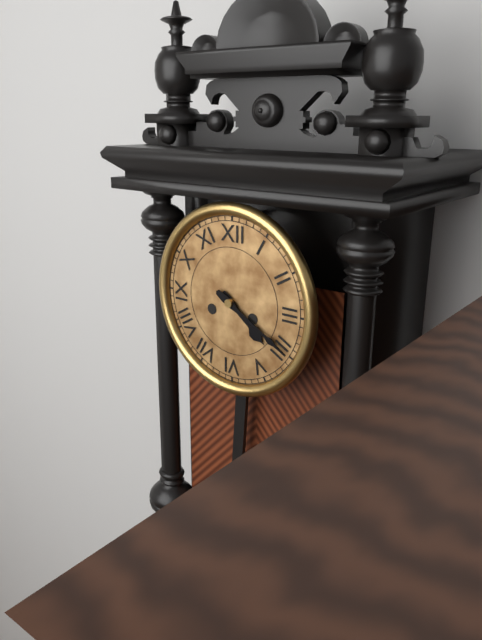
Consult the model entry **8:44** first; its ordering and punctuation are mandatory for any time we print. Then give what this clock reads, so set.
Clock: **4:20**
